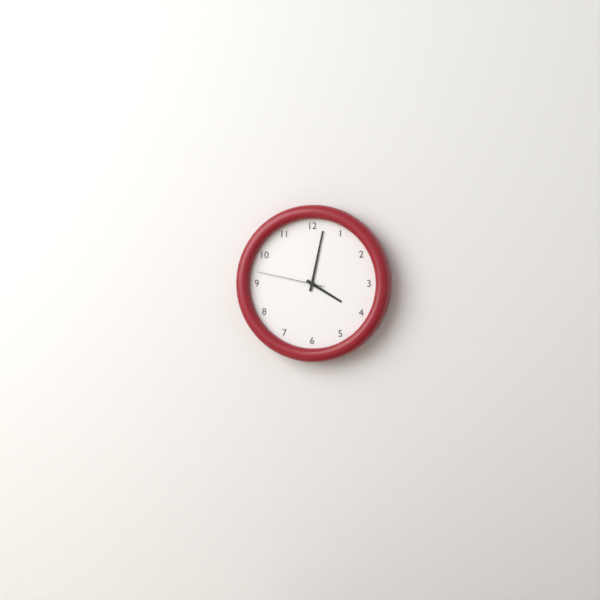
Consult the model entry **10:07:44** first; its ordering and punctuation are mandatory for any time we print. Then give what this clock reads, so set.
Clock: **4:02:47**
